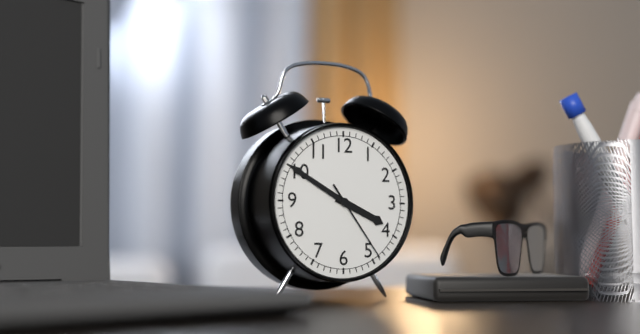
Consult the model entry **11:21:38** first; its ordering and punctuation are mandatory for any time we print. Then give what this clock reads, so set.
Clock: **3:50:24**
